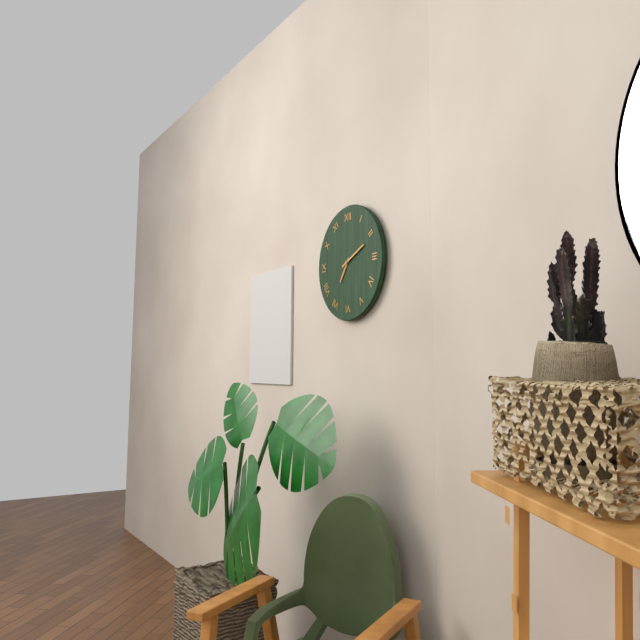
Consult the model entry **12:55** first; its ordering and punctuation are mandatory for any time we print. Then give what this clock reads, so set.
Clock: **7:11**
